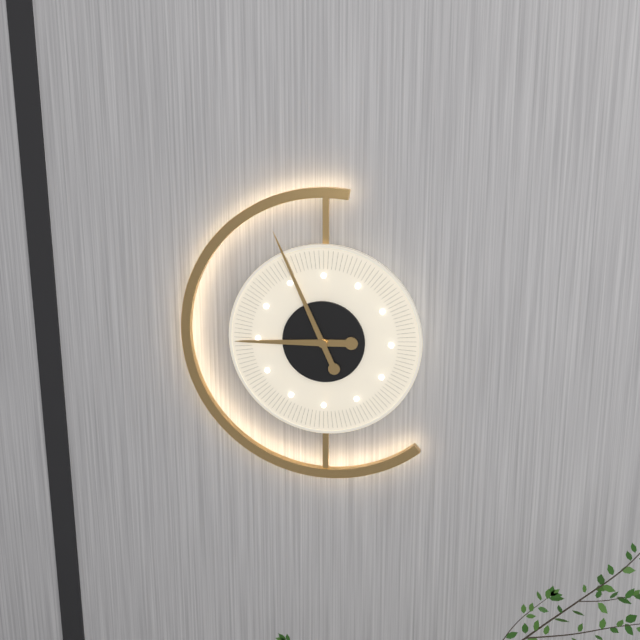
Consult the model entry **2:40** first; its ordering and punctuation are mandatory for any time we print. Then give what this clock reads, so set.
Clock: **8:56**
